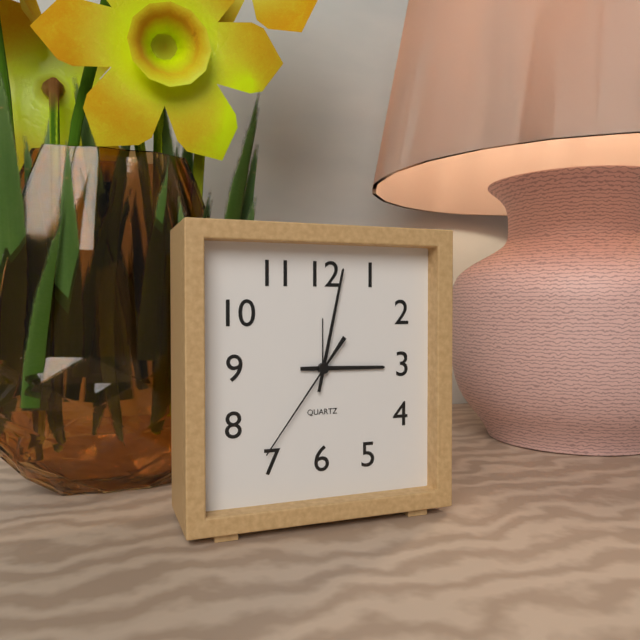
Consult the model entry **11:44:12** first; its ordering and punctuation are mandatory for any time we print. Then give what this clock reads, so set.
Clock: **3:02:36**
